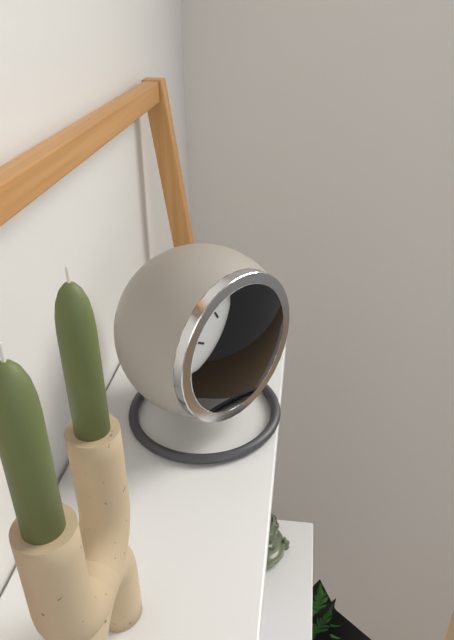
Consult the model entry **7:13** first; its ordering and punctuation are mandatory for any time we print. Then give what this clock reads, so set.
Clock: **11:38**
